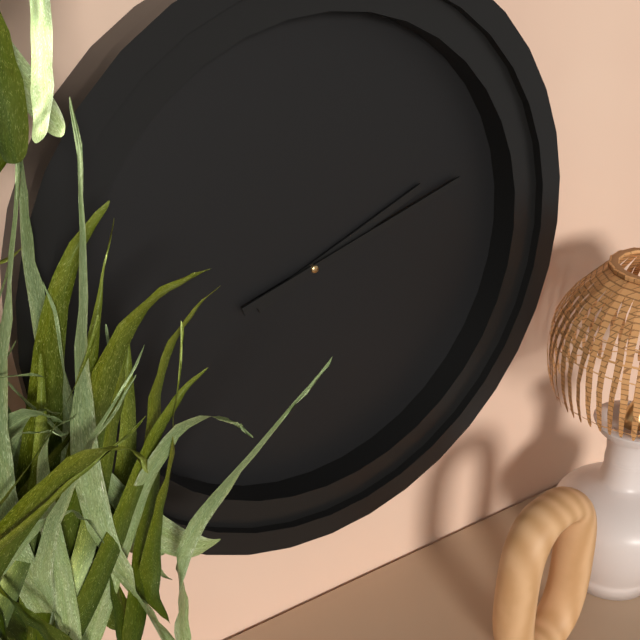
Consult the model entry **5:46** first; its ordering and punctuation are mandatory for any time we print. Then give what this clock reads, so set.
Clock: **2:12**
